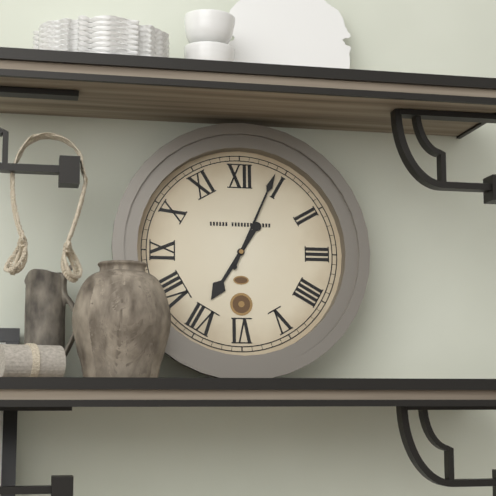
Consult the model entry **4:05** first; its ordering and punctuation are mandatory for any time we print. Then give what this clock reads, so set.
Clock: **7:04**
